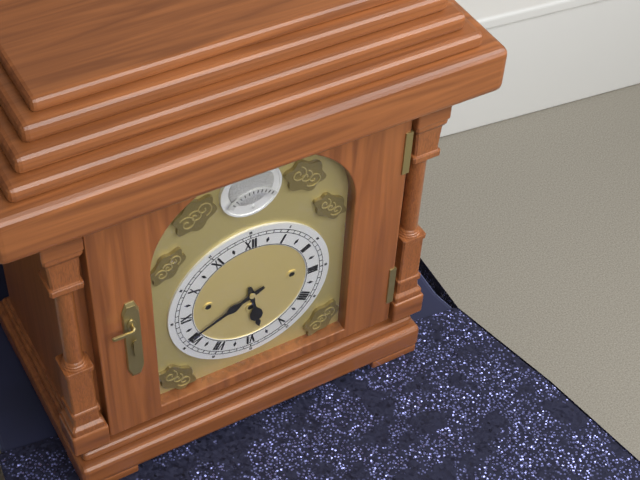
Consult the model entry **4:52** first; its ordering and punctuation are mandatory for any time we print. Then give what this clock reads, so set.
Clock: **5:41**
